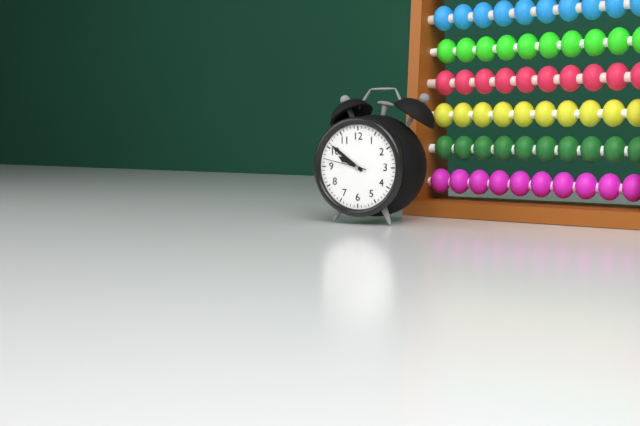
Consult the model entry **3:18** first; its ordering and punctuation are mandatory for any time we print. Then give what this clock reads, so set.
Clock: **9:51**
